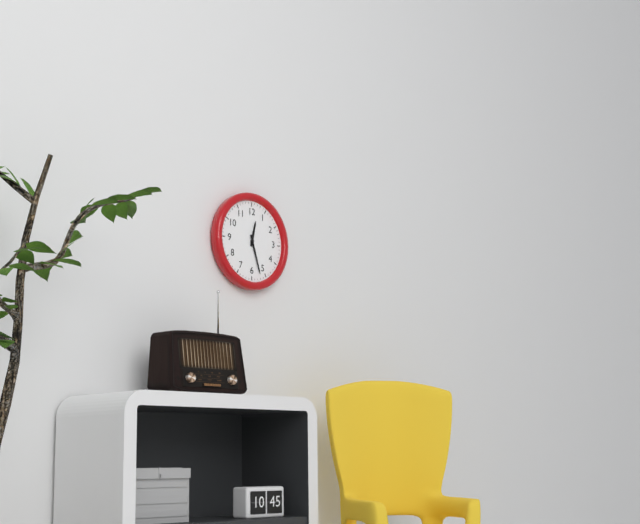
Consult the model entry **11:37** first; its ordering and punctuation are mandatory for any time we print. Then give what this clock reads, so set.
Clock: **12:27**
